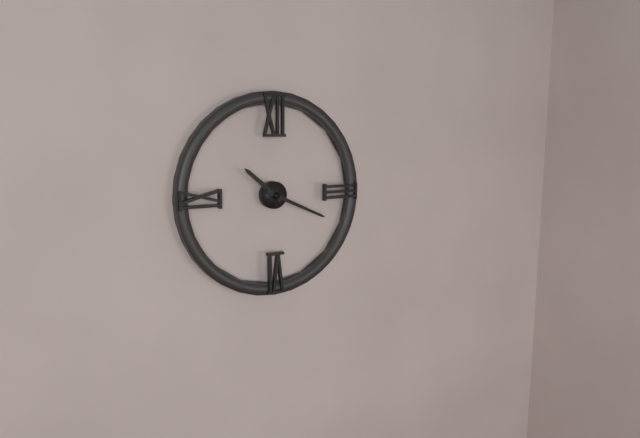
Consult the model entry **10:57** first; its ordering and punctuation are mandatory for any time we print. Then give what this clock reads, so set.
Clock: **10:19**
